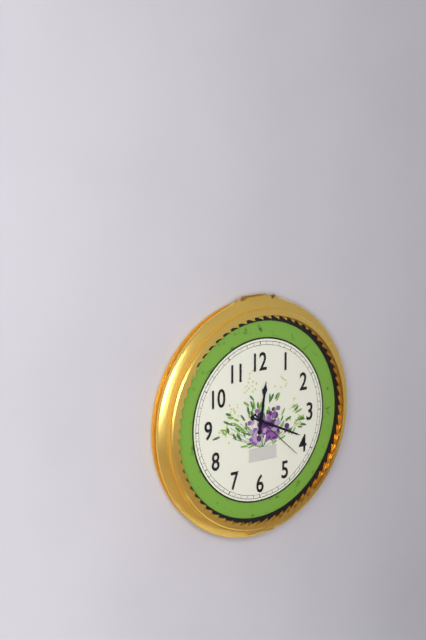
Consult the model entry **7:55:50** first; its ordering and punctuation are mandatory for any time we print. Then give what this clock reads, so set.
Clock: **12:19:22**
